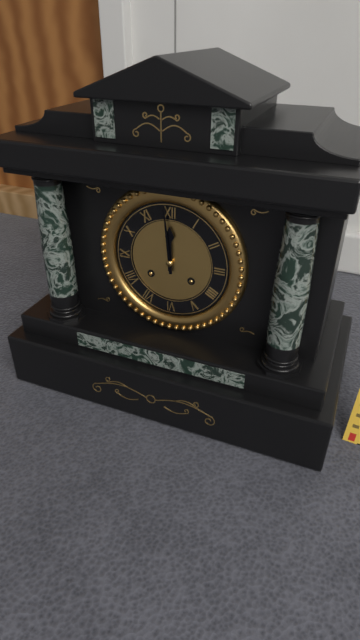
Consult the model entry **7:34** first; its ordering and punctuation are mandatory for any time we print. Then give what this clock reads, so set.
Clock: **11:59**
